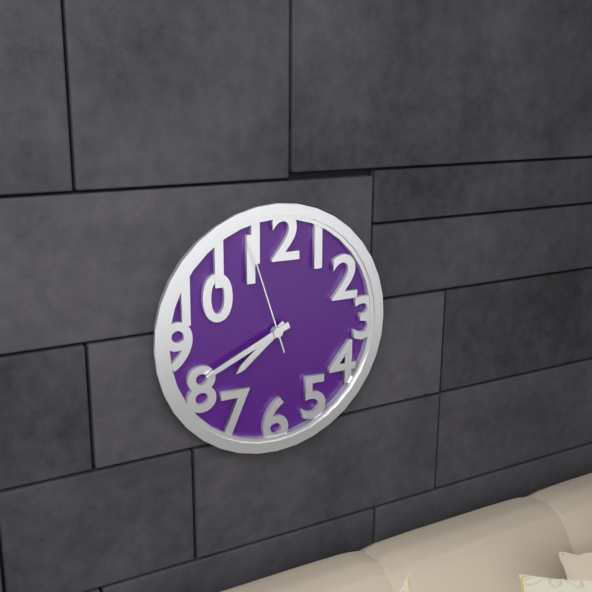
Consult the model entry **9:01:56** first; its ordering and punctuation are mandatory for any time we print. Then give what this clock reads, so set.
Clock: **7:41:57**
